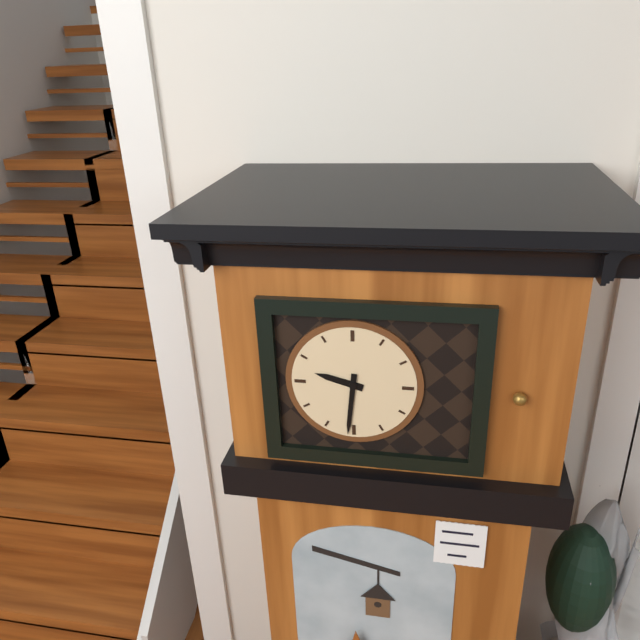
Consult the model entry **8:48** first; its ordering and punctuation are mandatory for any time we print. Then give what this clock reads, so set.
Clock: **9:31**
